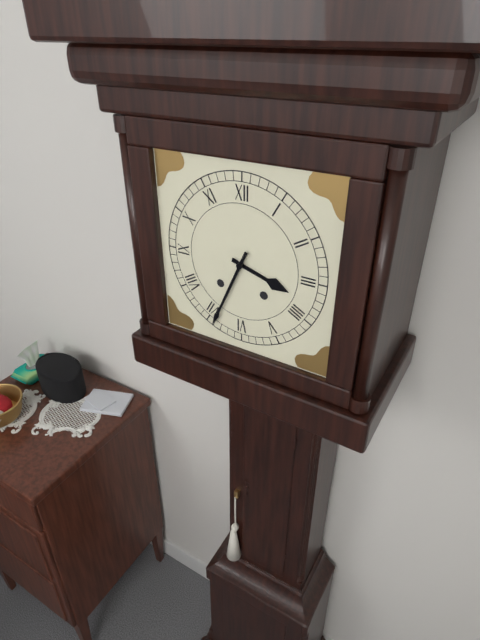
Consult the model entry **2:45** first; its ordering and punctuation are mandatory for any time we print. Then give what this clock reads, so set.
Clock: **3:34**
